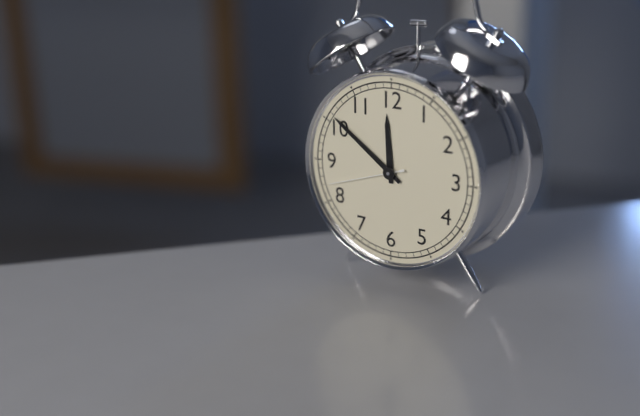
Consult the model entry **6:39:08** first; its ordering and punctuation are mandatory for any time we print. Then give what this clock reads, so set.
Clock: **11:51:42**
